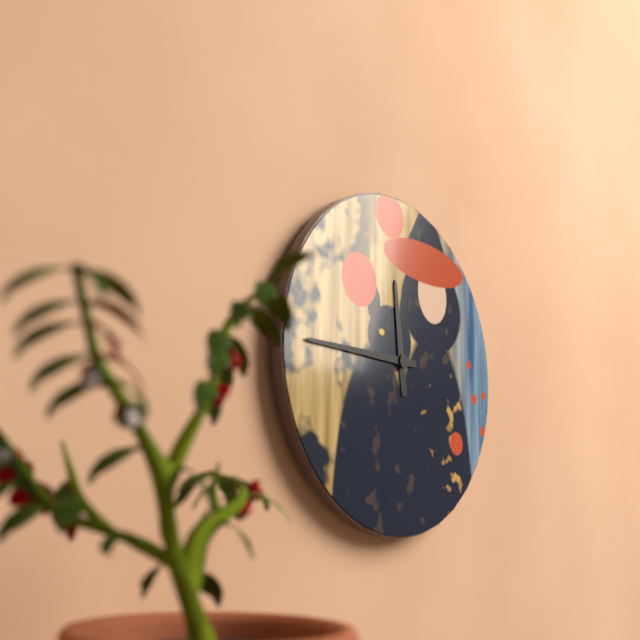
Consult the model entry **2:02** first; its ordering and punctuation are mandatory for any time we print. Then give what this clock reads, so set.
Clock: **11:45**
